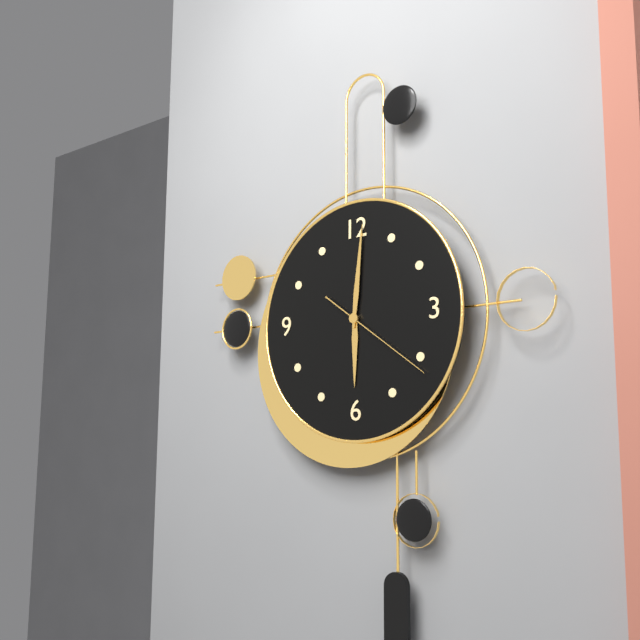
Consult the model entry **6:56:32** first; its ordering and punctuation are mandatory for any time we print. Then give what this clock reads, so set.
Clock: **6:01:21**
